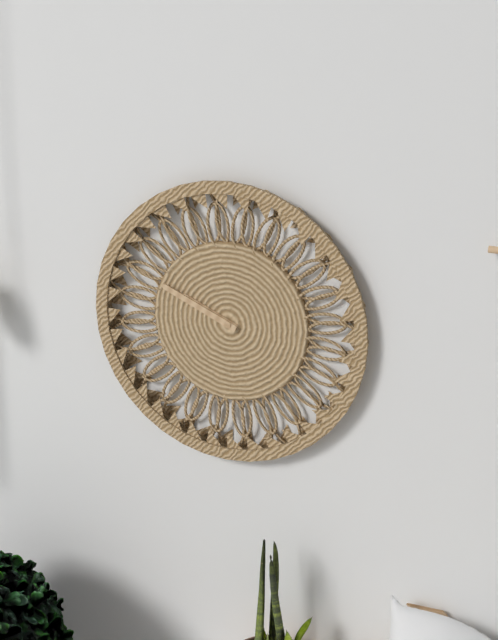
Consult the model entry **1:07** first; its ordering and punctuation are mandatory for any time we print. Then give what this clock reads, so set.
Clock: **9:49**
